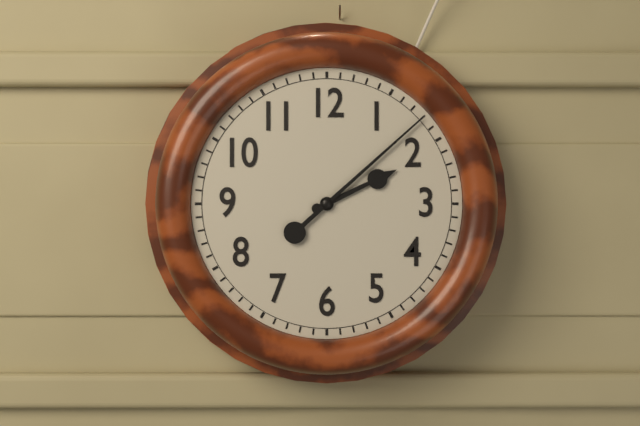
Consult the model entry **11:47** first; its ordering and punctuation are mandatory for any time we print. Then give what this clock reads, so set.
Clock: **2:08**
